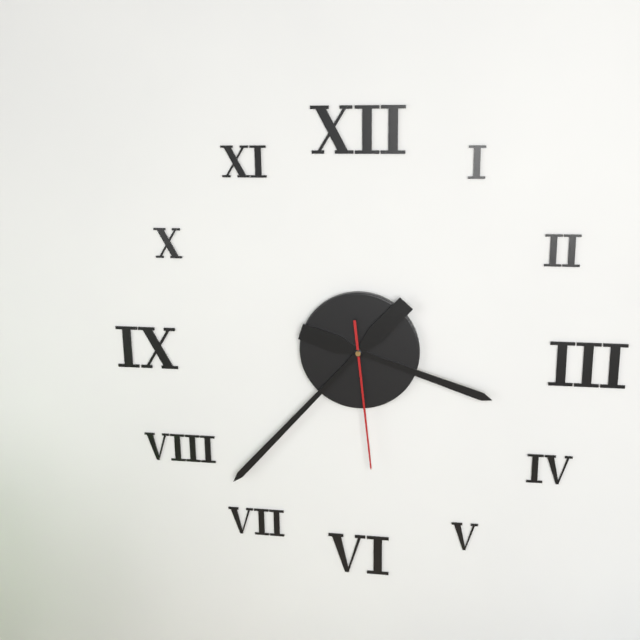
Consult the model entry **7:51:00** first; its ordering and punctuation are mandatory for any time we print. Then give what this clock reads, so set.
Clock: **3:37:29**
